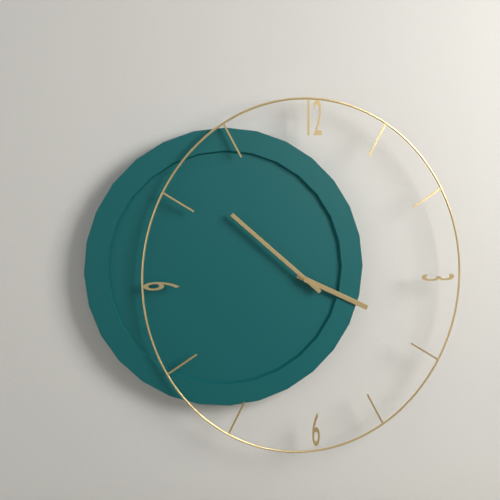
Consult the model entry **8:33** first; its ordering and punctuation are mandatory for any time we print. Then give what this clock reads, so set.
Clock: **3:52**
